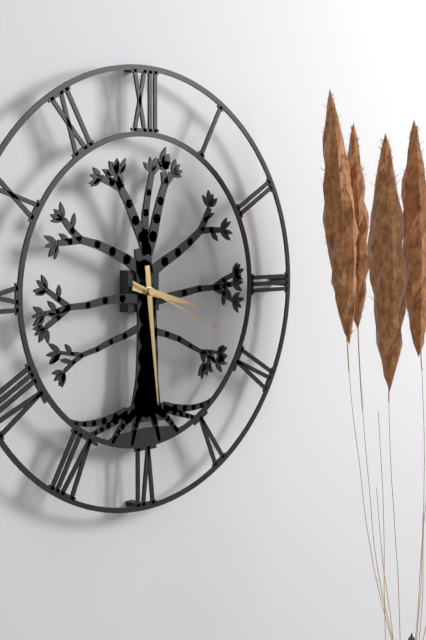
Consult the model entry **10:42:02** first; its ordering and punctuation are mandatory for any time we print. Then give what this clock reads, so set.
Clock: **3:29:19**
